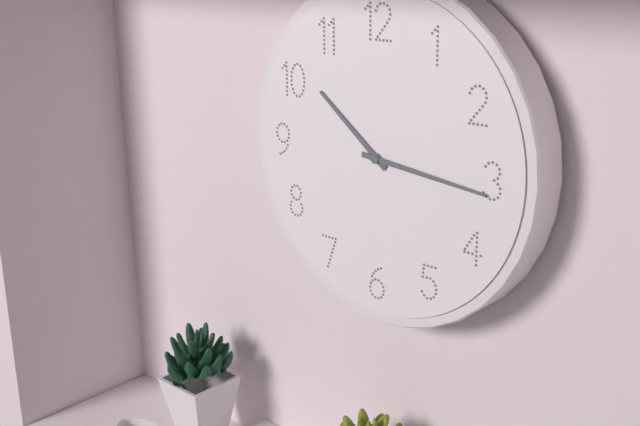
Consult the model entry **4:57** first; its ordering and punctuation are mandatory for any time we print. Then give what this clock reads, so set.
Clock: **10:16**
